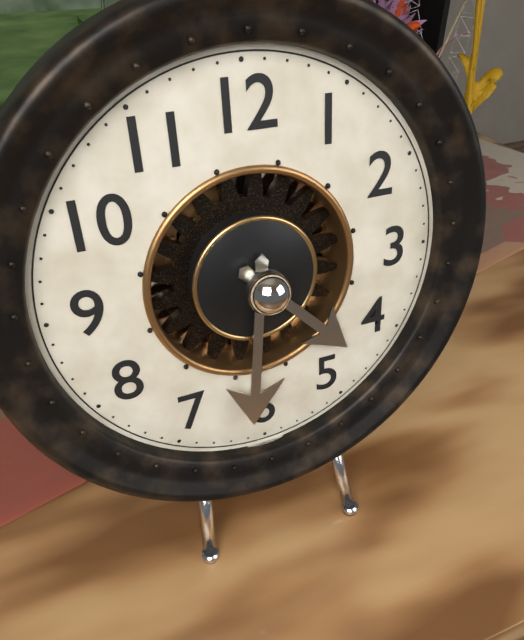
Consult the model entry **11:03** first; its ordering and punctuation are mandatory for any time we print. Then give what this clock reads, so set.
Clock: **4:31**
